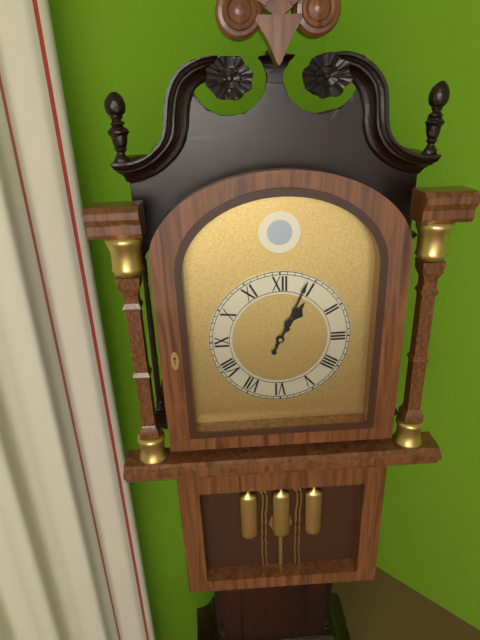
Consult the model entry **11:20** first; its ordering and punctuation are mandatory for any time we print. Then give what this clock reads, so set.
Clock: **1:04**
